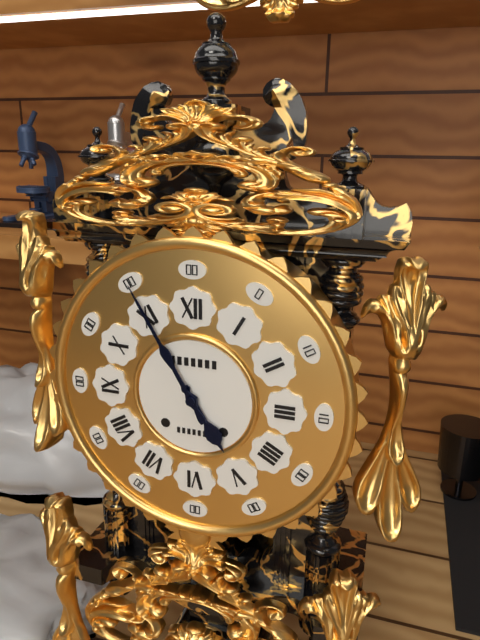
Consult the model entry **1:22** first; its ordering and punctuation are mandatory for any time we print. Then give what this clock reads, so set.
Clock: **4:55**
